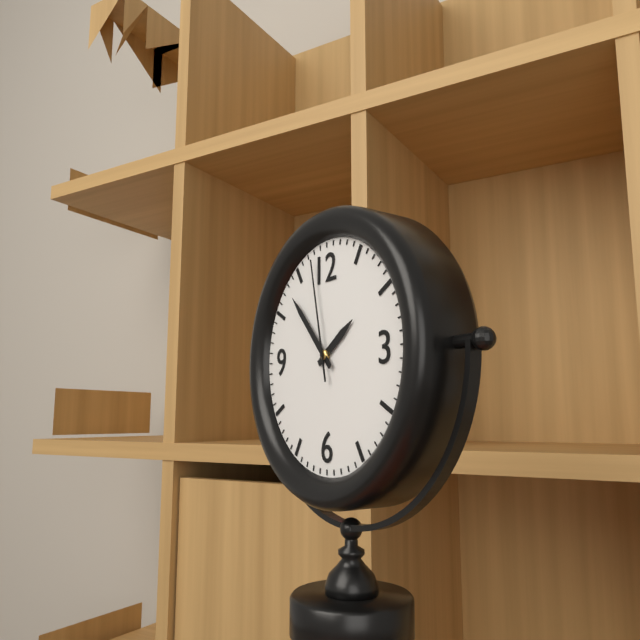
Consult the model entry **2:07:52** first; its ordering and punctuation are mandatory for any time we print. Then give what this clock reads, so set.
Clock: **1:53:58**
